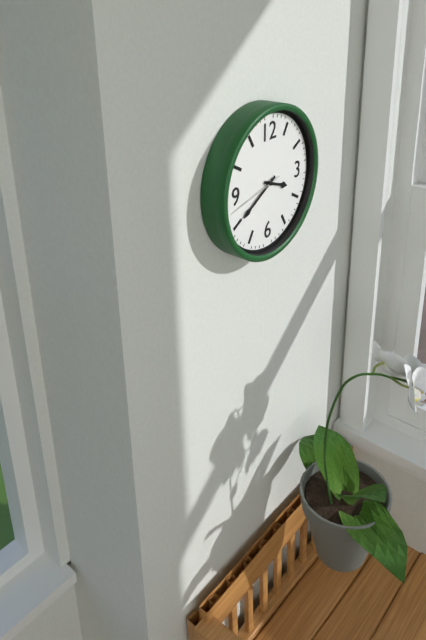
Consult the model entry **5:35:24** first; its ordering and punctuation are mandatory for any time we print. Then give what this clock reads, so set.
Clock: **3:40:43**
